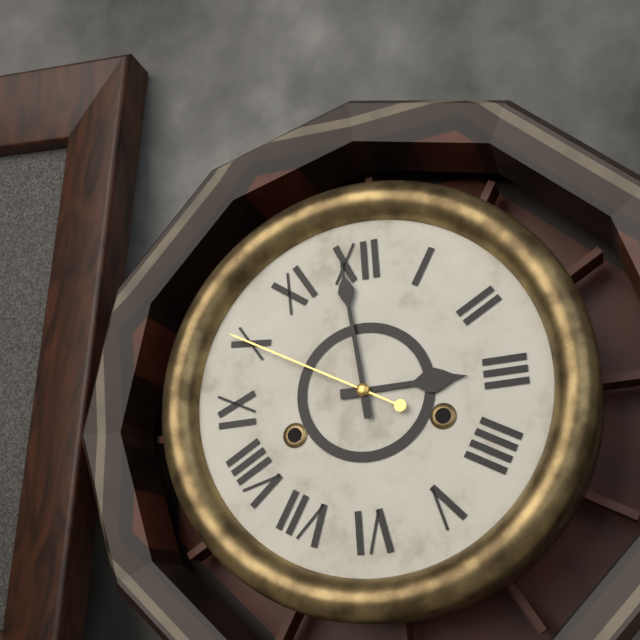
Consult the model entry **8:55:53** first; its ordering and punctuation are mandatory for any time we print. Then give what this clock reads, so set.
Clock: **2:59:50**
